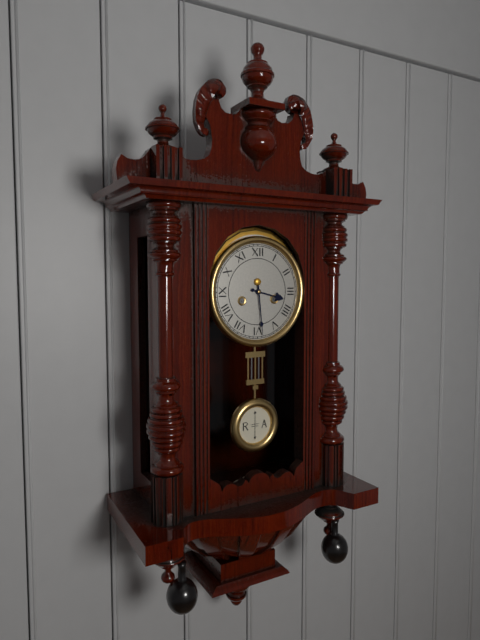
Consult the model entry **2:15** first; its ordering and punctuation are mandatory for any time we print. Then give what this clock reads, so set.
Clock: **3:29**
